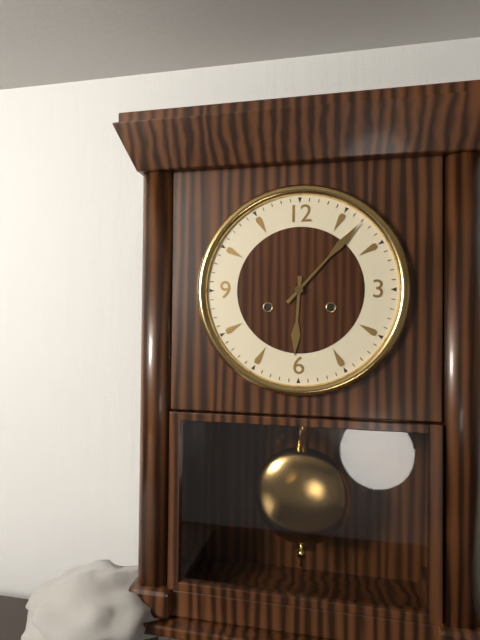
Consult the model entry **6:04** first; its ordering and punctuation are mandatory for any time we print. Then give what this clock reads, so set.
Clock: **6:07**
